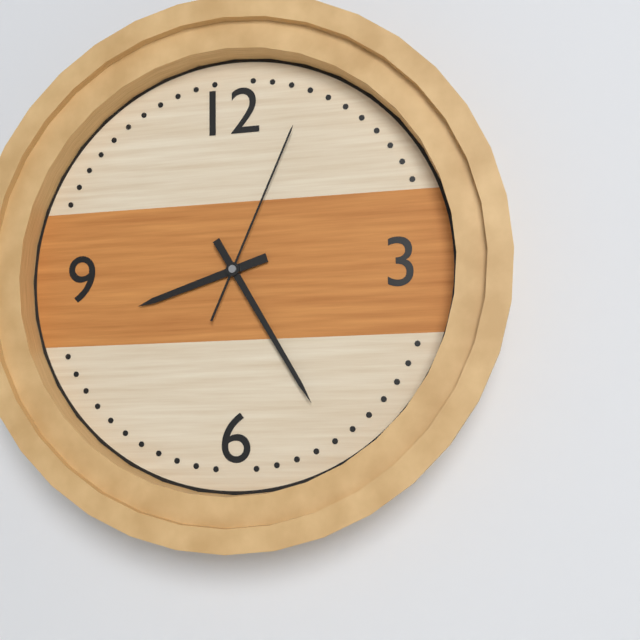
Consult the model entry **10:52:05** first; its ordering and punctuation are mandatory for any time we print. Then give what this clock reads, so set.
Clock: **8:25:04**
